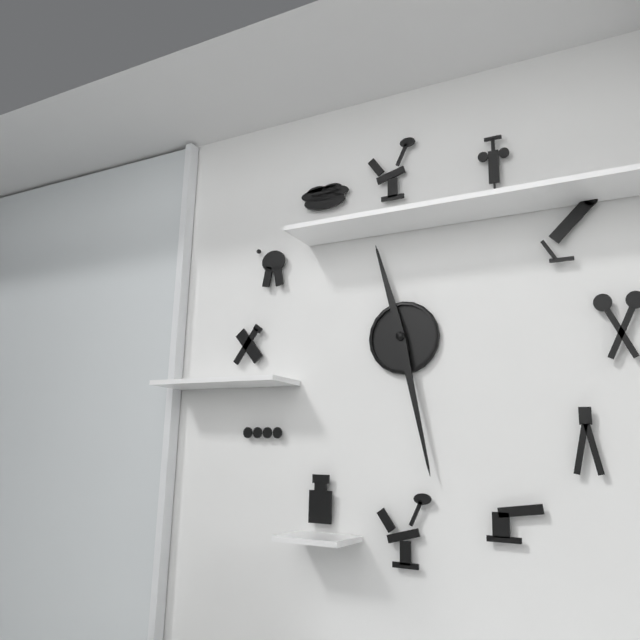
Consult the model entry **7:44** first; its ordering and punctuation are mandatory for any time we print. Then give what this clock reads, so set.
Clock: **11:28**
